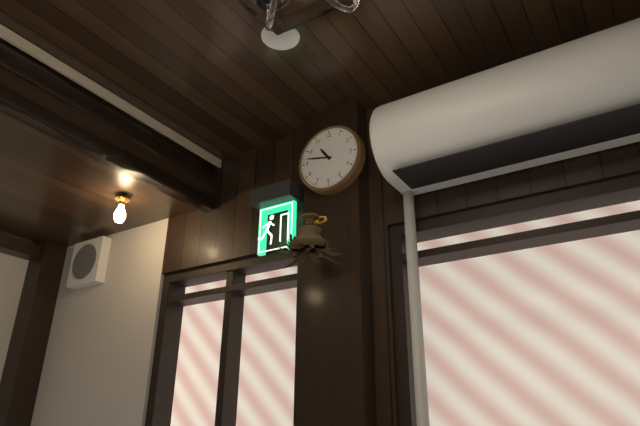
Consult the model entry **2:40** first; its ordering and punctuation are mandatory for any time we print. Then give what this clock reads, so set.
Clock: **10:47**
